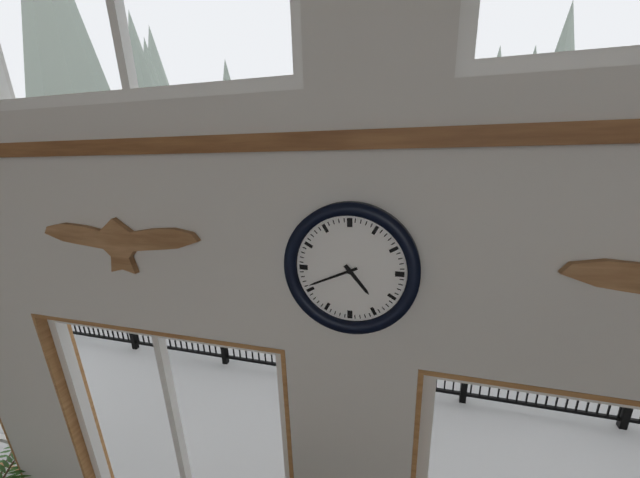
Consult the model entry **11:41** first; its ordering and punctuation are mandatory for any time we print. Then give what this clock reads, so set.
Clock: **4:41**
